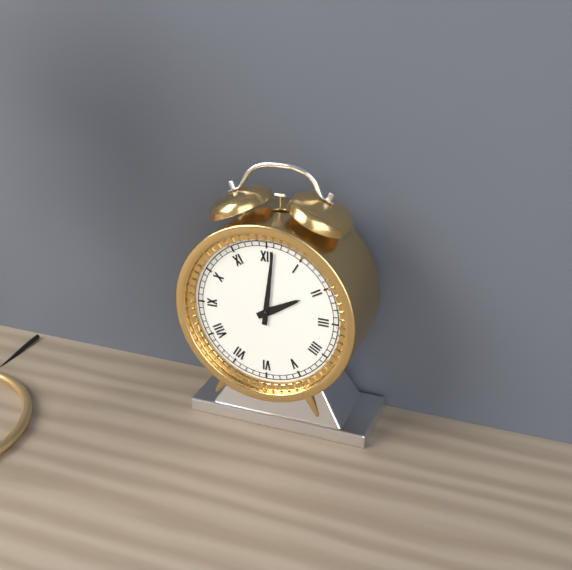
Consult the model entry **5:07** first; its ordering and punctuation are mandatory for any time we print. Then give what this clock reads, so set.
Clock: **2:01**
